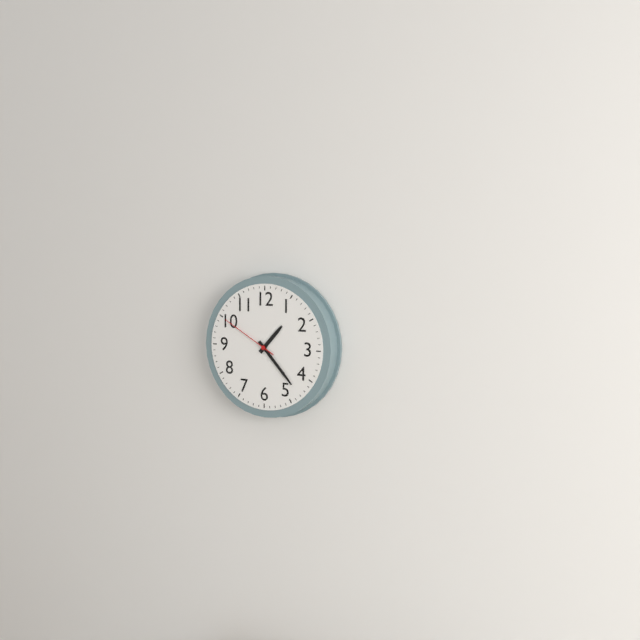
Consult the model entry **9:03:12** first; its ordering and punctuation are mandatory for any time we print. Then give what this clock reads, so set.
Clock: **1:23:50**
